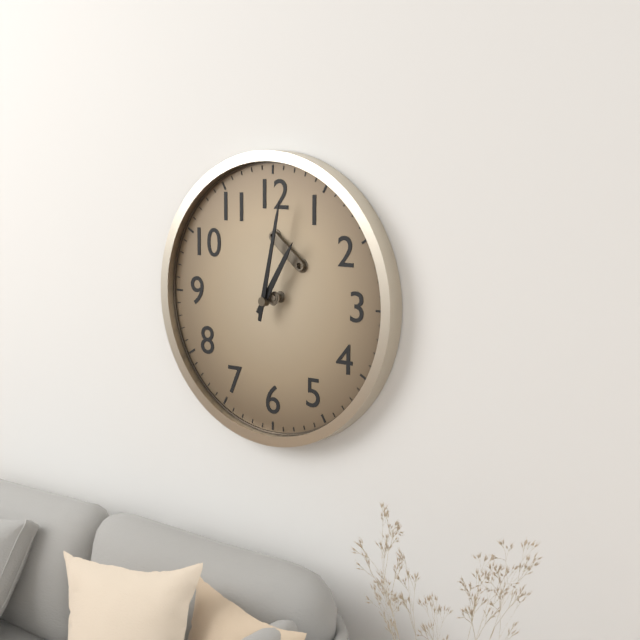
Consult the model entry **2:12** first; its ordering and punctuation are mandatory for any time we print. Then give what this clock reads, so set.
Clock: **1:02**
